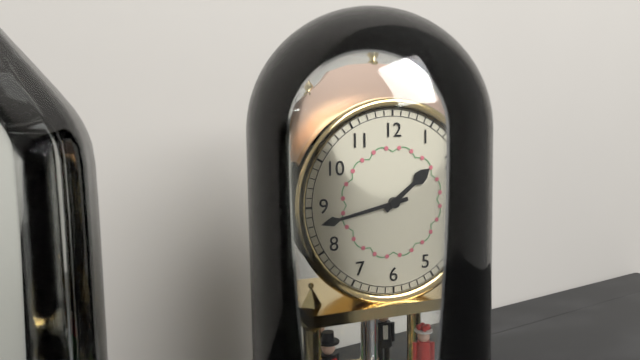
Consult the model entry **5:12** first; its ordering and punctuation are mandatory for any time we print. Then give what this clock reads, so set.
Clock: **1:43**
